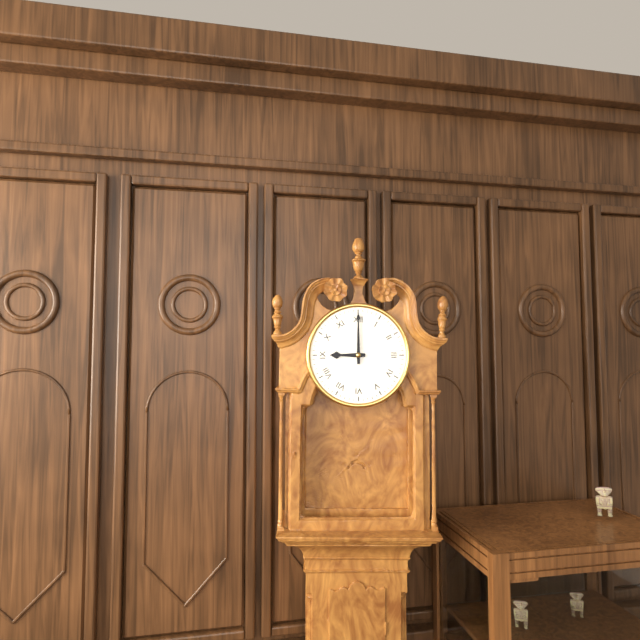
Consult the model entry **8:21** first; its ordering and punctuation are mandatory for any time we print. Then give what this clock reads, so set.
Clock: **9:00**
